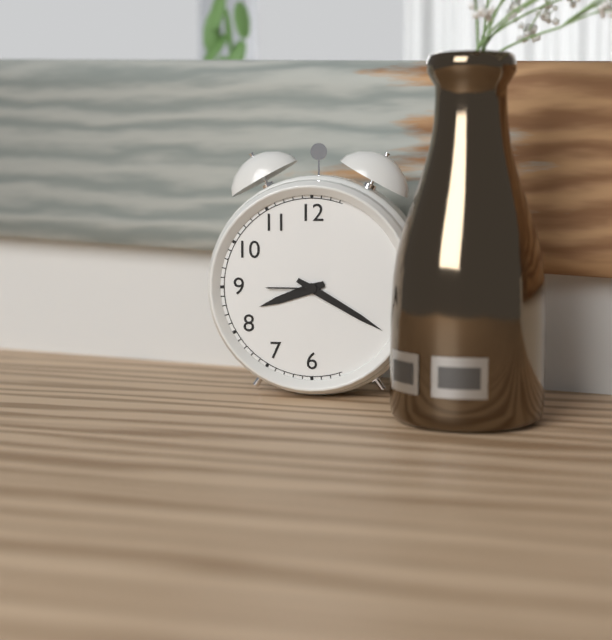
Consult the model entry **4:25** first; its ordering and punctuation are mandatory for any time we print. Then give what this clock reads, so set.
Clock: **8:20**
